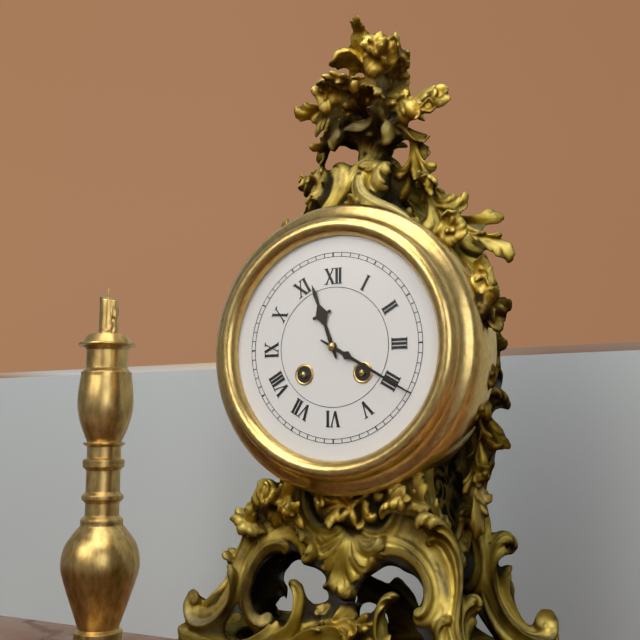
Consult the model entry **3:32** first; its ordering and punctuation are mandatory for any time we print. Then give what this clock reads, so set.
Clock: **11:20**
